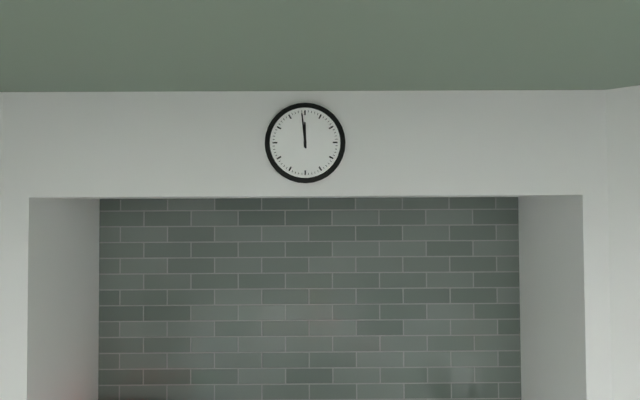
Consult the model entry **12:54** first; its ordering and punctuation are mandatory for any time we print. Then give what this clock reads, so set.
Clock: **11:59**
